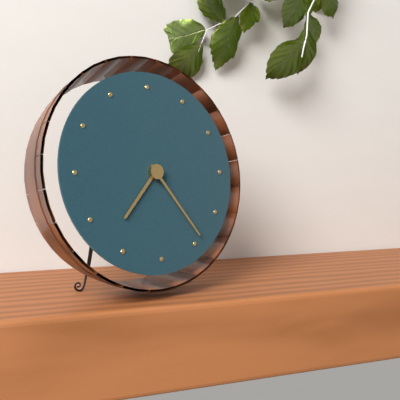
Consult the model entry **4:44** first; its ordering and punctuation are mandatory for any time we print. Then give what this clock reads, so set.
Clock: **7:24**
